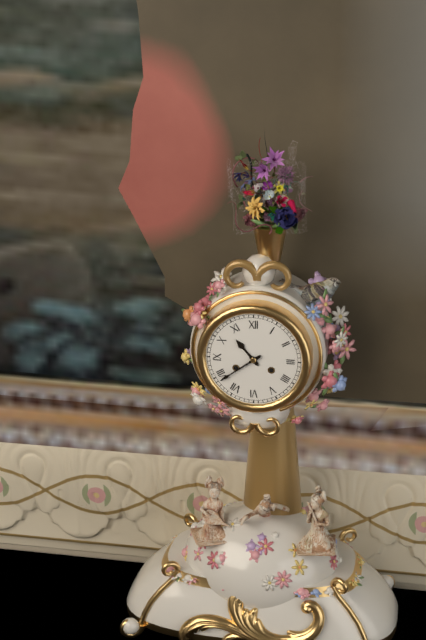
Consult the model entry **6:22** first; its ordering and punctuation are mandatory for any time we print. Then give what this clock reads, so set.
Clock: **10:39**
